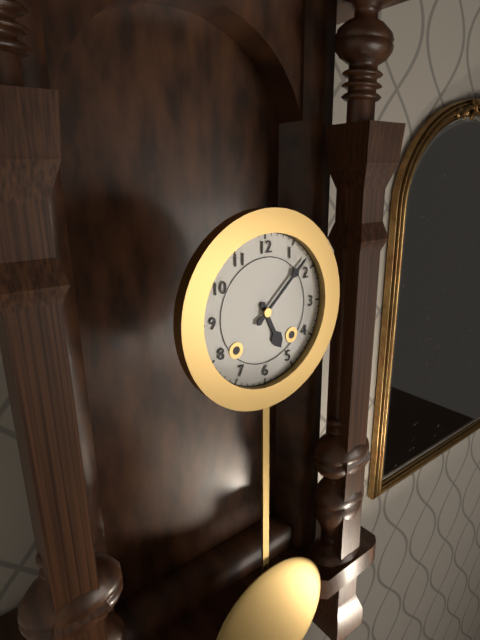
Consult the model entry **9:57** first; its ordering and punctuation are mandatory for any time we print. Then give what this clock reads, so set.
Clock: **5:08**
